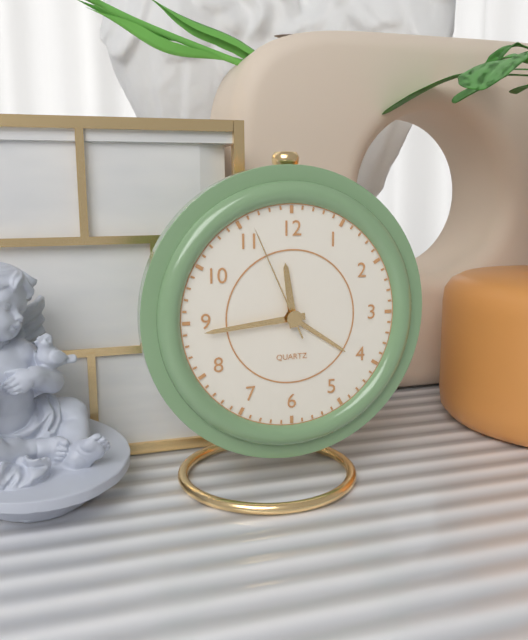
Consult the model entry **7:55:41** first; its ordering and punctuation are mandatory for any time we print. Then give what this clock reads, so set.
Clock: **11:44:56**
